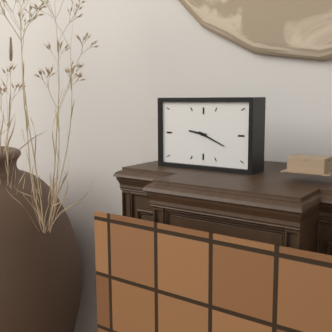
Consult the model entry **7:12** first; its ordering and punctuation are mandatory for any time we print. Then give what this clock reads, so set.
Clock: **9:19**
